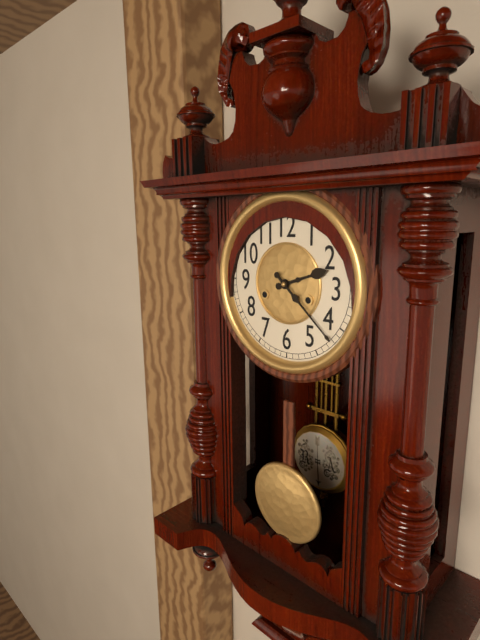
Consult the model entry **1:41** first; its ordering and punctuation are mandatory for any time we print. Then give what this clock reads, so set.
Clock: **2:22**
